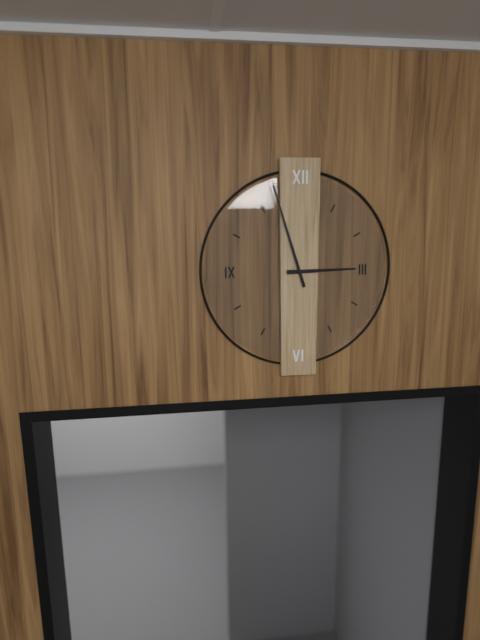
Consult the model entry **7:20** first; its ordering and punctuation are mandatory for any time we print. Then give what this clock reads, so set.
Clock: **2:57**
